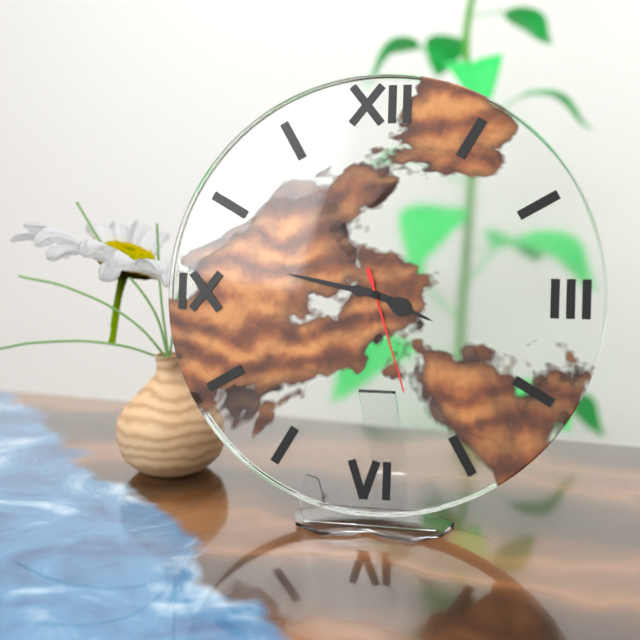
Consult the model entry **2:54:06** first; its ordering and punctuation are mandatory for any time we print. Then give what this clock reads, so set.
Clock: **3:47:27**
